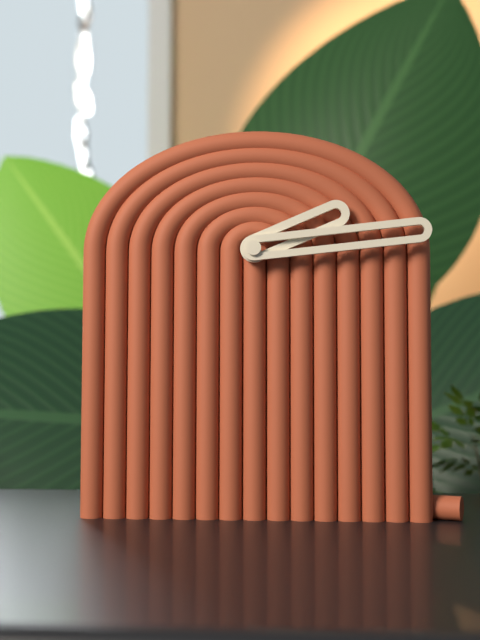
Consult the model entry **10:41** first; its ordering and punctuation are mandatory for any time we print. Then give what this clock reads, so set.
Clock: **2:14**
